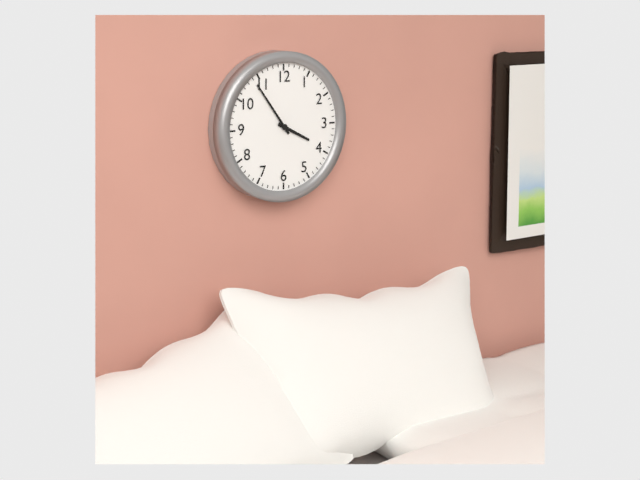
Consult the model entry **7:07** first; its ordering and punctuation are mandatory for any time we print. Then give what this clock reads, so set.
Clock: **3:54**
